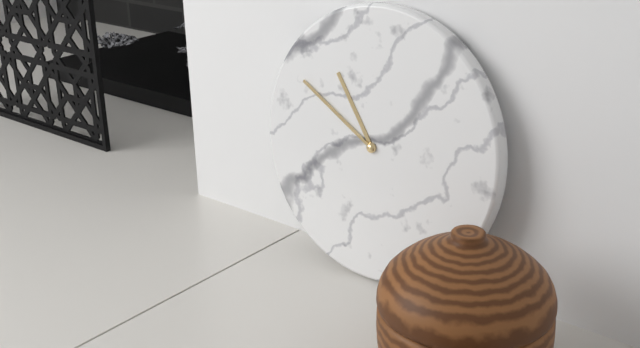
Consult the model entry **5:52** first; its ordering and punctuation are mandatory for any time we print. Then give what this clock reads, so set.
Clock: **10:50**
